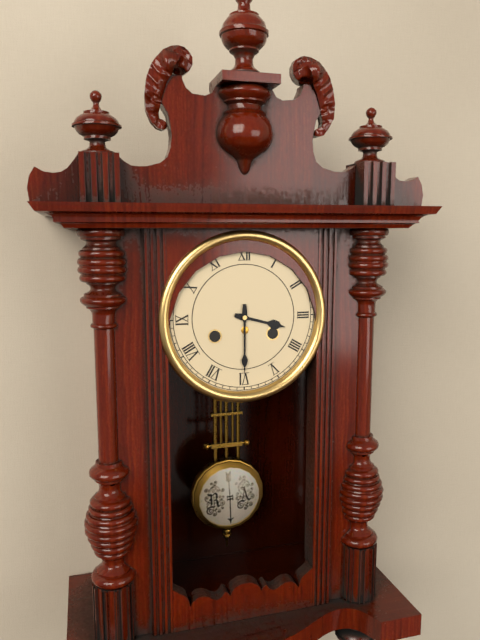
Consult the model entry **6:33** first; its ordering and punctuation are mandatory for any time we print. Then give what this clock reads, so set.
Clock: **3:30**
